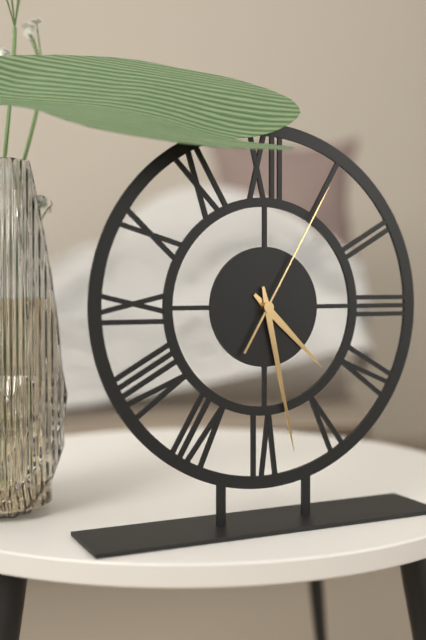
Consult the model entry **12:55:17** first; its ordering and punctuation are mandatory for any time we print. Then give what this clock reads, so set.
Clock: **4:28:05**
